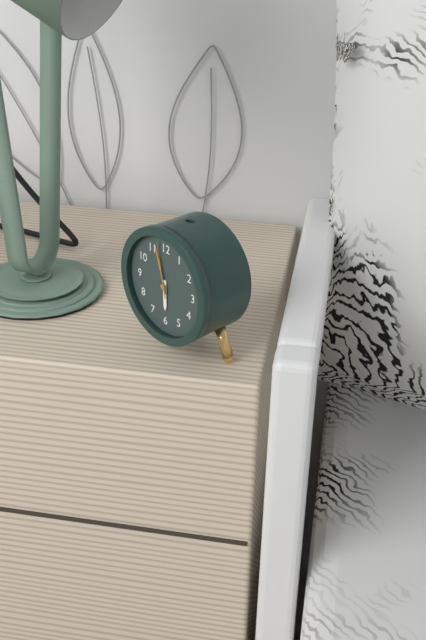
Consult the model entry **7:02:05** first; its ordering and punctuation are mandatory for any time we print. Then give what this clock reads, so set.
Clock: **5:57:58**
